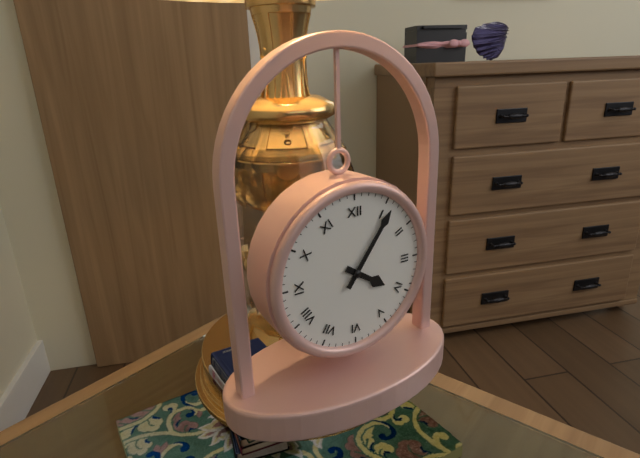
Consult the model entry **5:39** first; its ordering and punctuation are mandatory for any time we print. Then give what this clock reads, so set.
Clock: **4:06**
